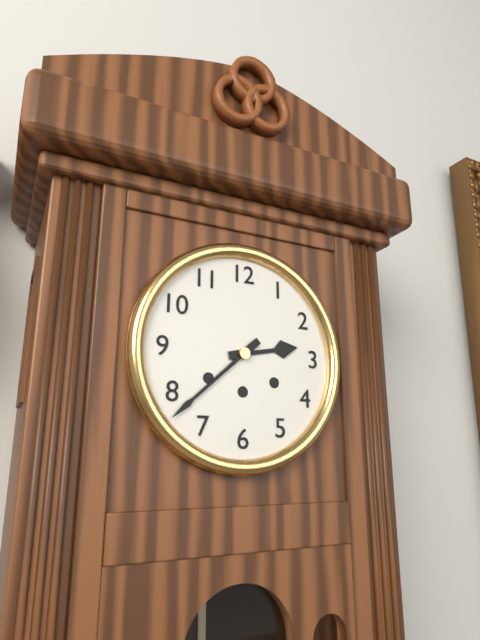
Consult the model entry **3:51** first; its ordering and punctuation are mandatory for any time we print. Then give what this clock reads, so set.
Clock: **2:38**
